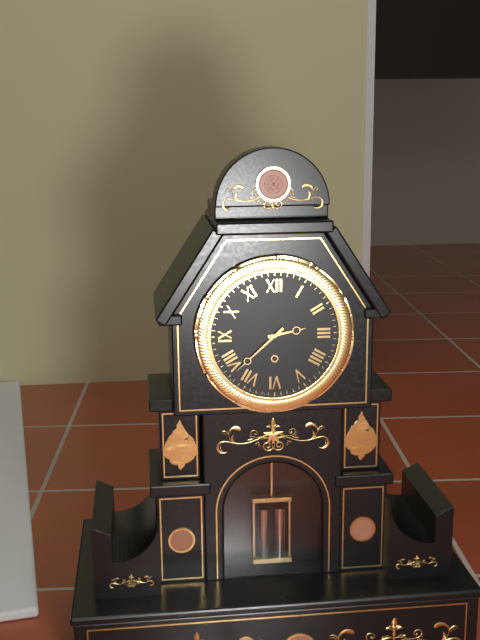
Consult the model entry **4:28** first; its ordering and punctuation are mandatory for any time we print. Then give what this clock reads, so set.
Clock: **2:38**
